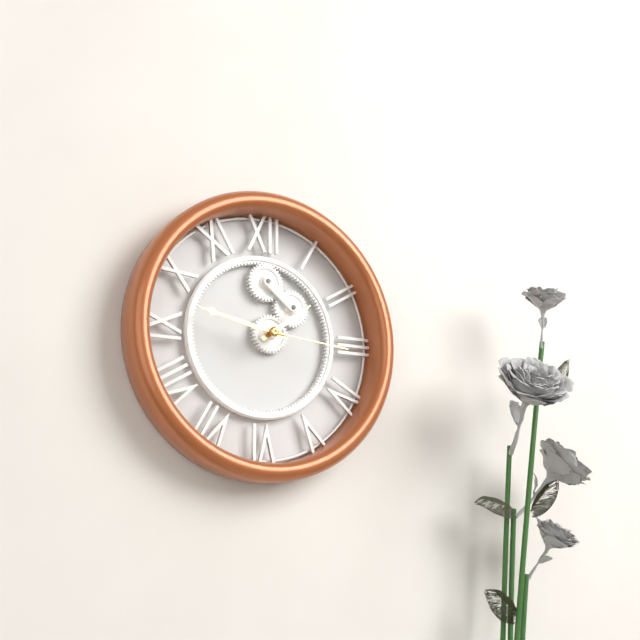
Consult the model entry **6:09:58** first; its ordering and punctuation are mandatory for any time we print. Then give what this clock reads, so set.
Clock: **1:47:16**
